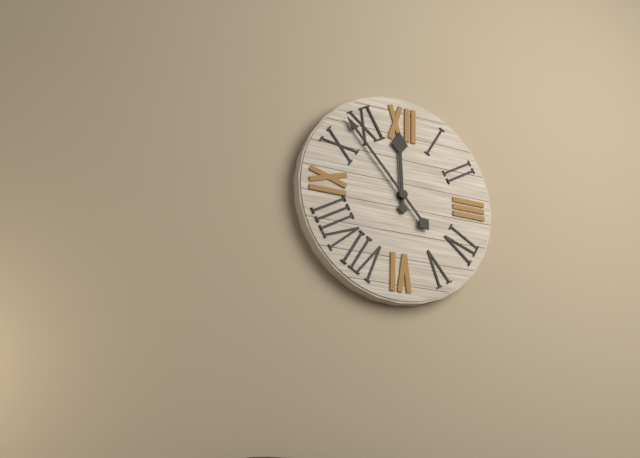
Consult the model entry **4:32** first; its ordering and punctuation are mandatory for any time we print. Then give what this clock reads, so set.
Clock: **11:53**
